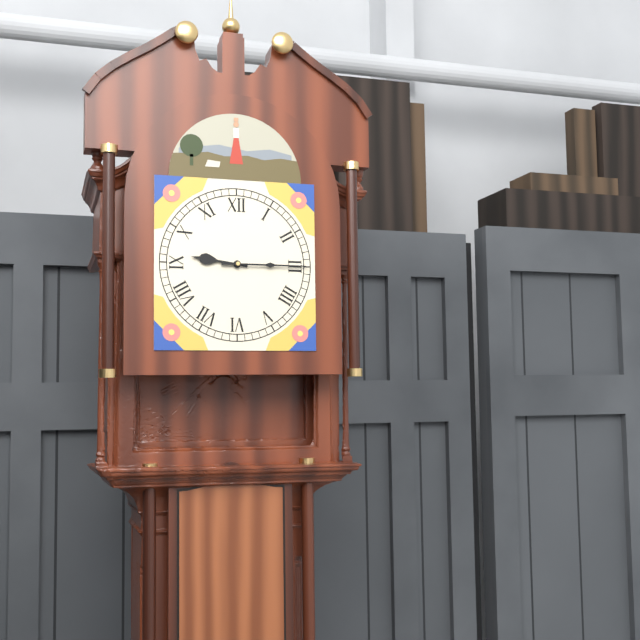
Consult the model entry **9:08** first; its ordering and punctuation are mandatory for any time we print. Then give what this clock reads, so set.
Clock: **9:15**
